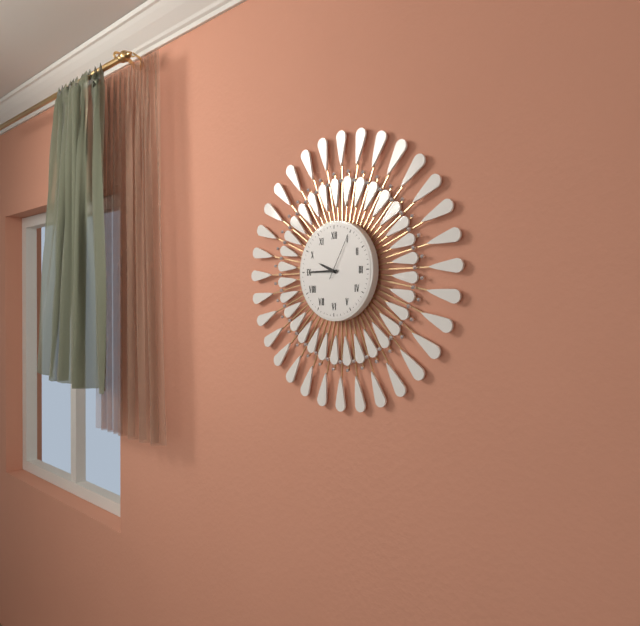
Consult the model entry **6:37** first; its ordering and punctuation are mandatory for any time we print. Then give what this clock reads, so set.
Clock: **9:45**
